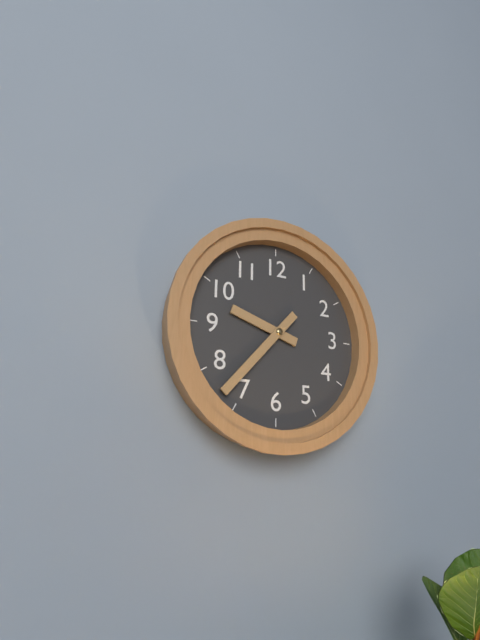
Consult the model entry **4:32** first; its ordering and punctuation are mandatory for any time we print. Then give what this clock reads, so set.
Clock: **9:37**
